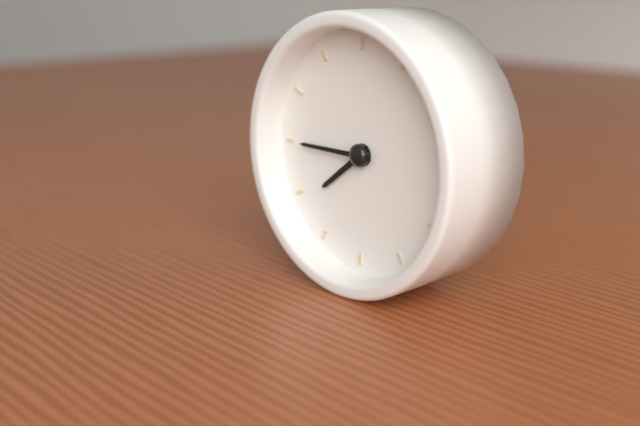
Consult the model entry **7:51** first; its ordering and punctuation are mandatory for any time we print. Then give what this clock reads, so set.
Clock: **7:45**
